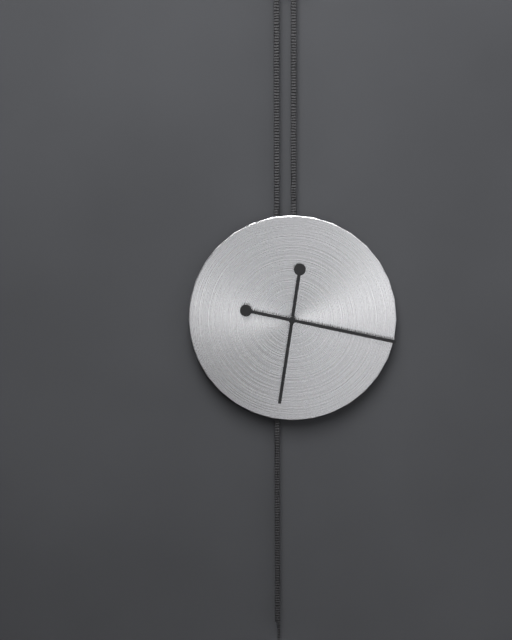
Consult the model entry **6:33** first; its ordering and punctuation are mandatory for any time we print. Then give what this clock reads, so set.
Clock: **6:17**
